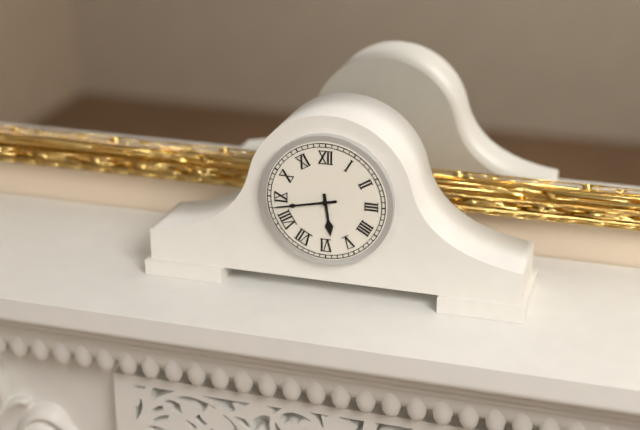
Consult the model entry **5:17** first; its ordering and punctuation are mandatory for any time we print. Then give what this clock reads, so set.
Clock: **5:43**
